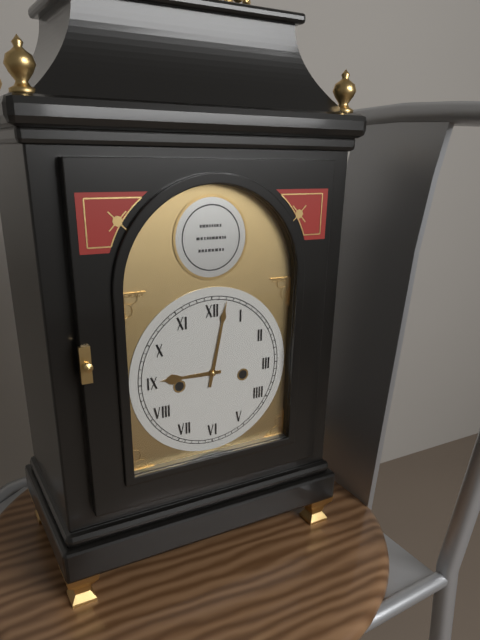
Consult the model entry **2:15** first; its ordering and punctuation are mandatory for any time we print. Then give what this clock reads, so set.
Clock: **9:02**
